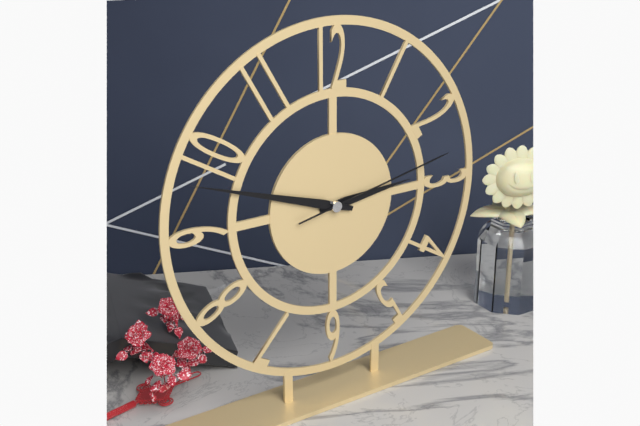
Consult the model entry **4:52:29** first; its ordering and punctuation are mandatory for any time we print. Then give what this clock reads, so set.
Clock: **2:48:13**
